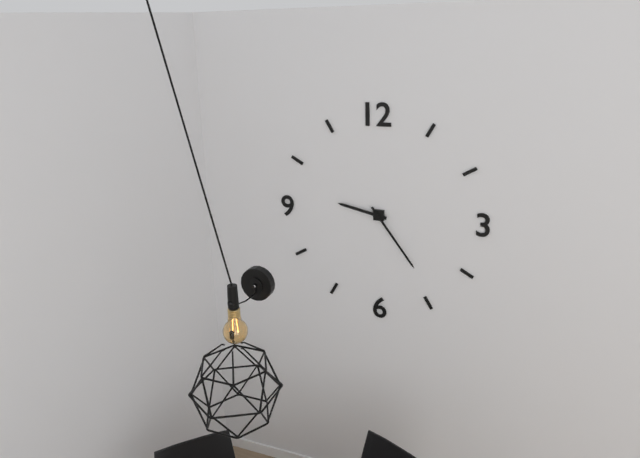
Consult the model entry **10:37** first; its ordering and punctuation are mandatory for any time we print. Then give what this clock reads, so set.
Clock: **9:24**
